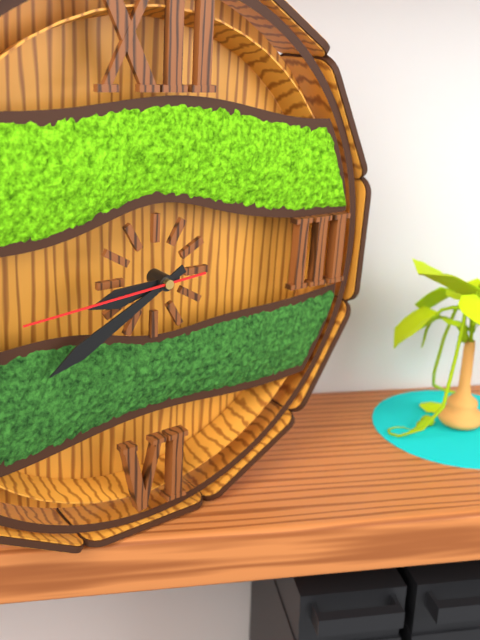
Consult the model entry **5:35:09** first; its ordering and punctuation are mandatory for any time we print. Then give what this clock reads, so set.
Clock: **8:40:44**
